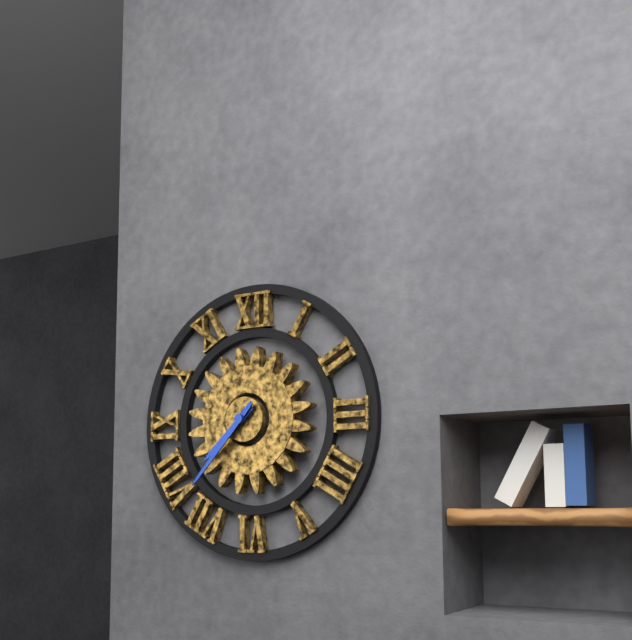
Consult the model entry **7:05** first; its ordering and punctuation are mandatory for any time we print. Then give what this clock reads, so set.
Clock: **7:37**
